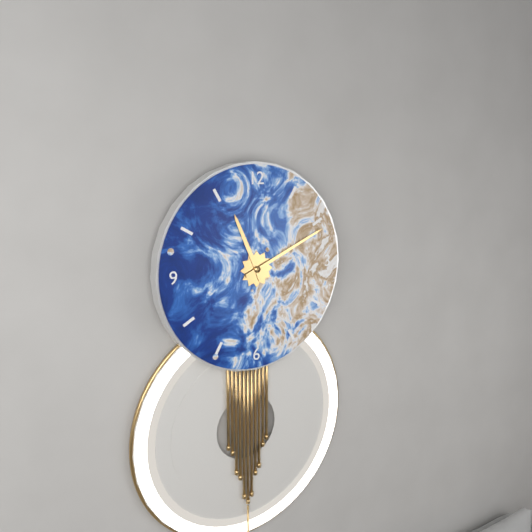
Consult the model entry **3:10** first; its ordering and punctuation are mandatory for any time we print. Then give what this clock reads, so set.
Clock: **11:11**
